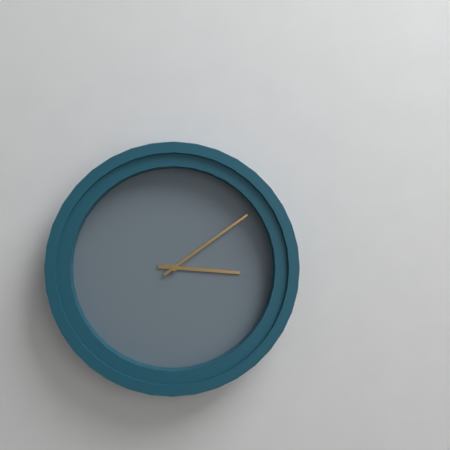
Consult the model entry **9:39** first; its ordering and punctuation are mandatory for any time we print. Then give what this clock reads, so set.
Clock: **3:09**
